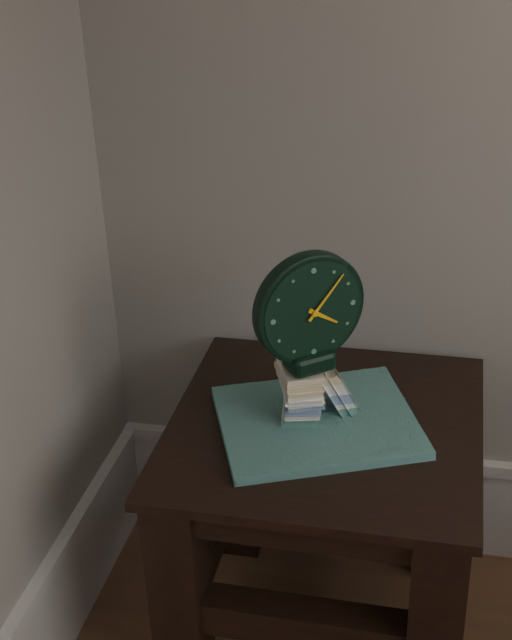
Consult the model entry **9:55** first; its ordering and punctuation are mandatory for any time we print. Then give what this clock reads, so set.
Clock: **4:07**
